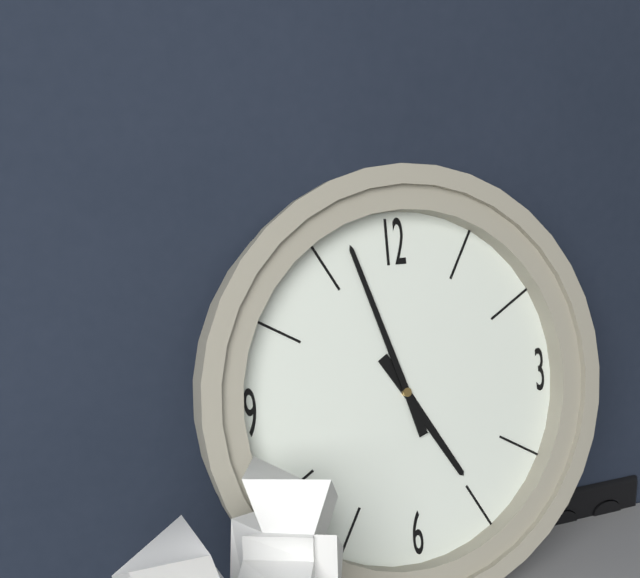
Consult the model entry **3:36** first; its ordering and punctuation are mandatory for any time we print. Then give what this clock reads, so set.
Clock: **4:57**
